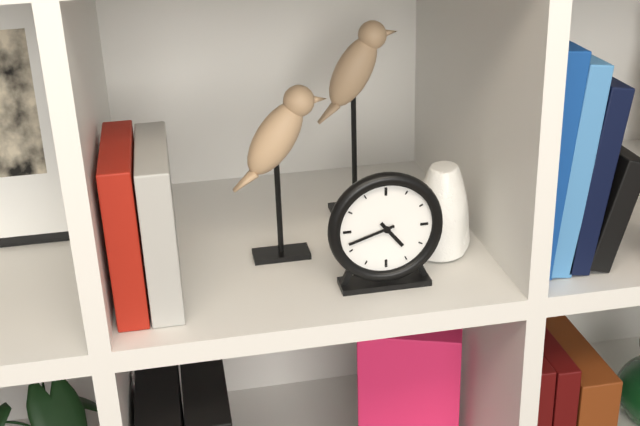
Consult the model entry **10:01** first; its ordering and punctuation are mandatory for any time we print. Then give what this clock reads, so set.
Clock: **4:42**
